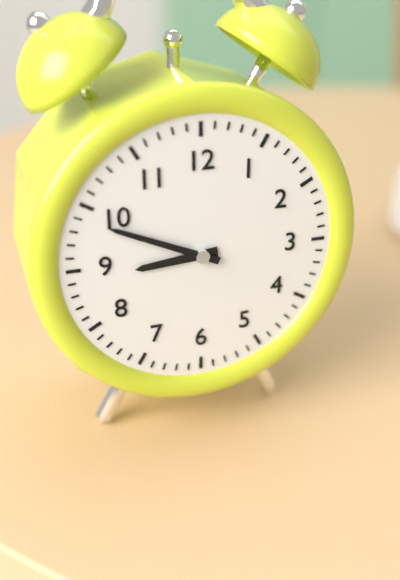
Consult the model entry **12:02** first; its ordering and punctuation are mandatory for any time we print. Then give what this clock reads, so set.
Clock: **8:49**
